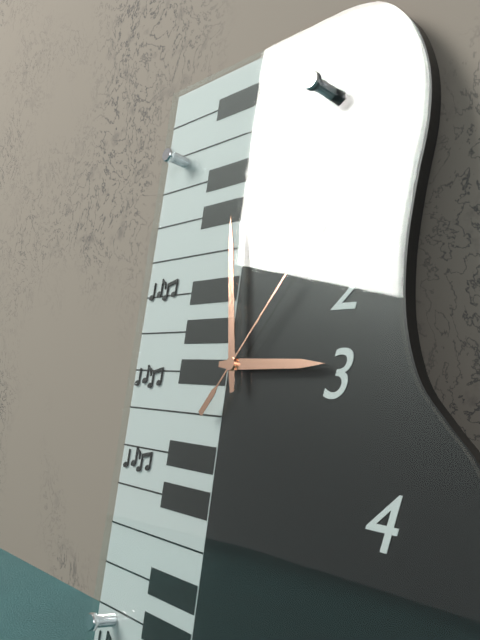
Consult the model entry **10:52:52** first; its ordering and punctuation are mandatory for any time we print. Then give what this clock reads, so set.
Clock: **2:58:06**
